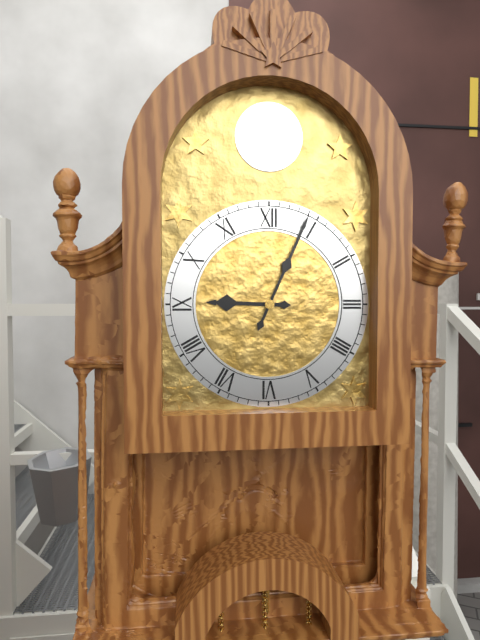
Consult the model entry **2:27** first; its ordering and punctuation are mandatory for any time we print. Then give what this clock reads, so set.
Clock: **9:04**
